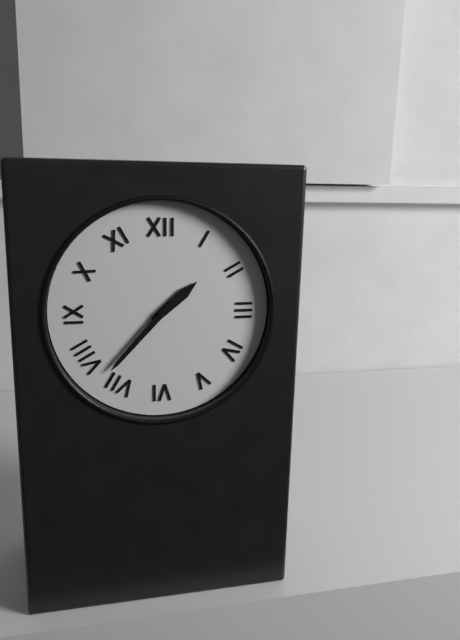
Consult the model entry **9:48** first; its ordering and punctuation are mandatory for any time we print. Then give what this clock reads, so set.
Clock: **1:37**
